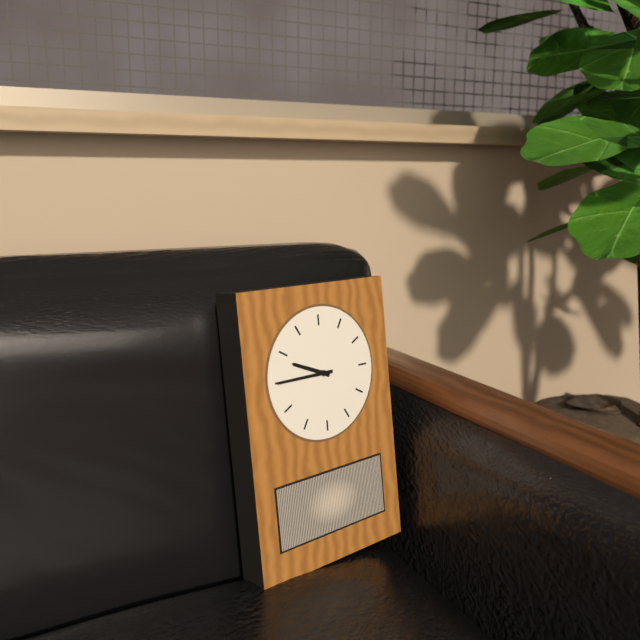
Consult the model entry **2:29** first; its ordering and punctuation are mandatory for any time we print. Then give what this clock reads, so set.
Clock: **9:45**
